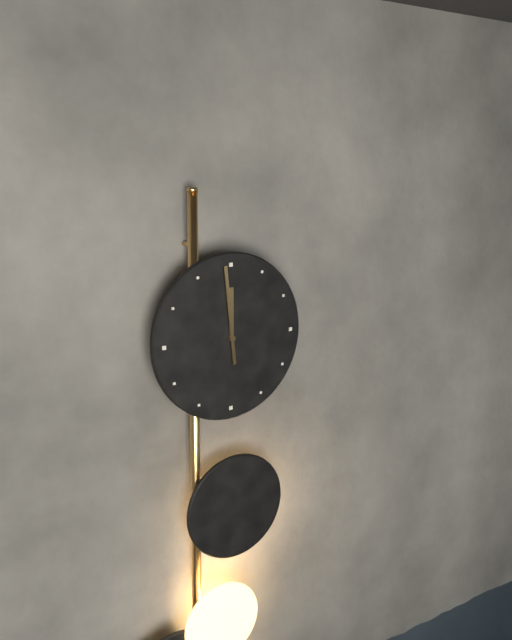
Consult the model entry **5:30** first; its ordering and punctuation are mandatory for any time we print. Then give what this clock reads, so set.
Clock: **11:59**
